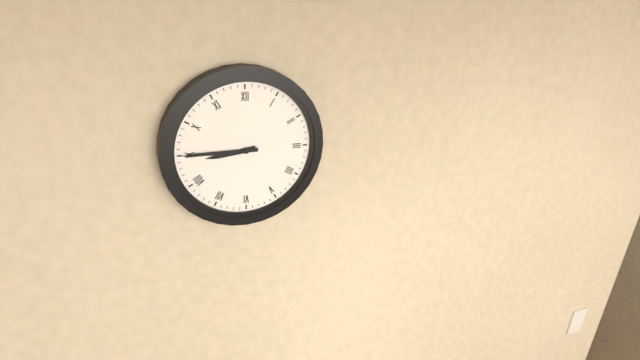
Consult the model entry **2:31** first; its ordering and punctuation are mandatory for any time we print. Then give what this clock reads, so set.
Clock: **8:45**
